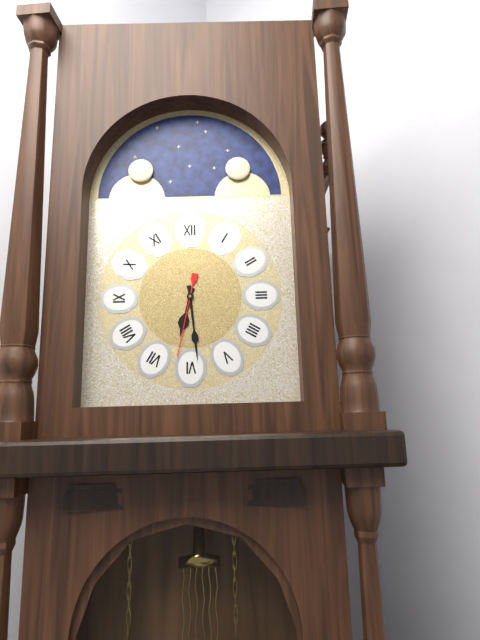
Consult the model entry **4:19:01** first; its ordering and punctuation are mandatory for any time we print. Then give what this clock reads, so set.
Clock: **6:29:32**
